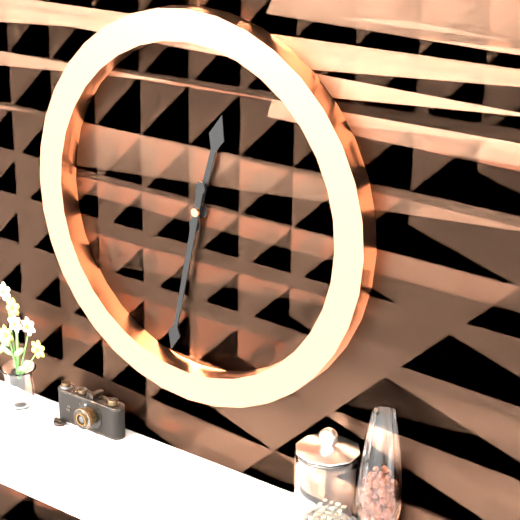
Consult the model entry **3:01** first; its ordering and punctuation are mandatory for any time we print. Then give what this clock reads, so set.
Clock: **12:32**
